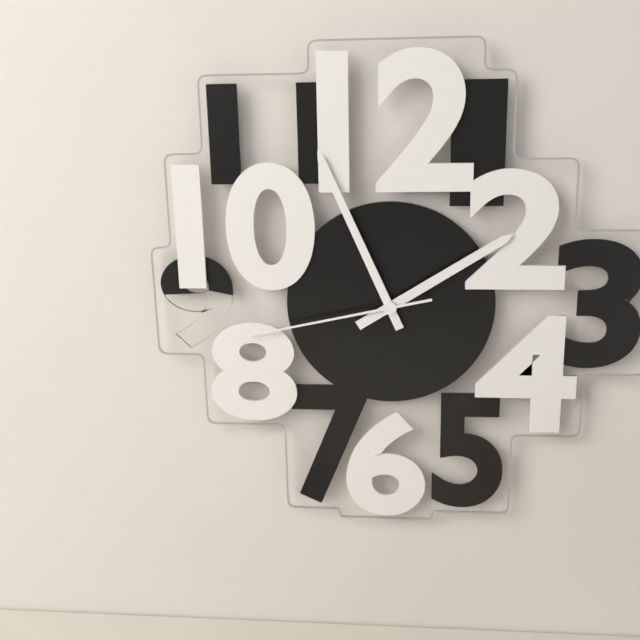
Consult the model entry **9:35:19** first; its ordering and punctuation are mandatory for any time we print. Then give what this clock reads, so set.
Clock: **1:56:43**
